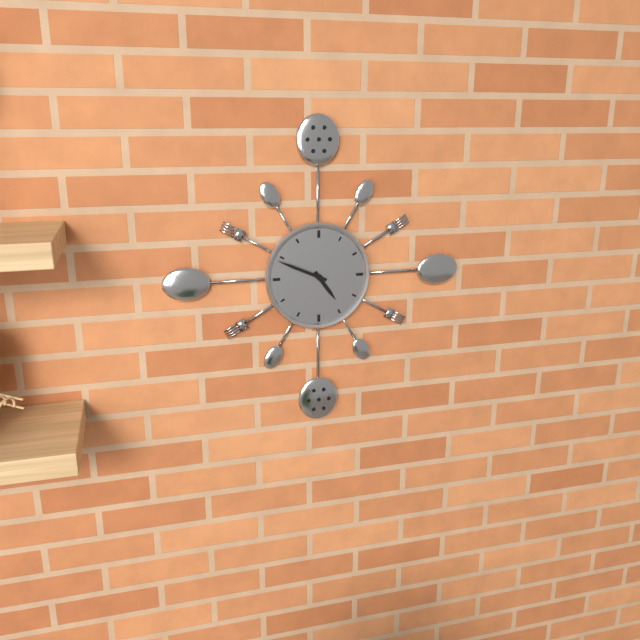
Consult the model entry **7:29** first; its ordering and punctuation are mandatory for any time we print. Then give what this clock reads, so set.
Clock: **4:49**
